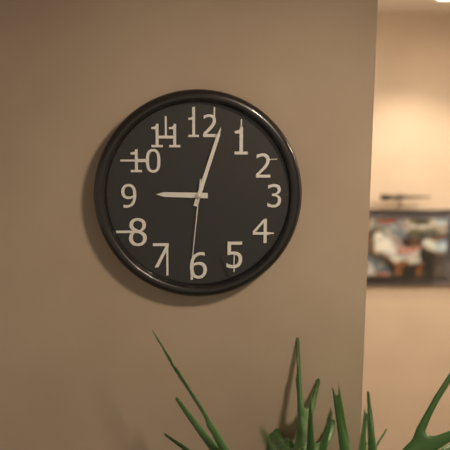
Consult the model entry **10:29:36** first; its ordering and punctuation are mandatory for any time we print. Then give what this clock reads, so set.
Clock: **9:03:31**
